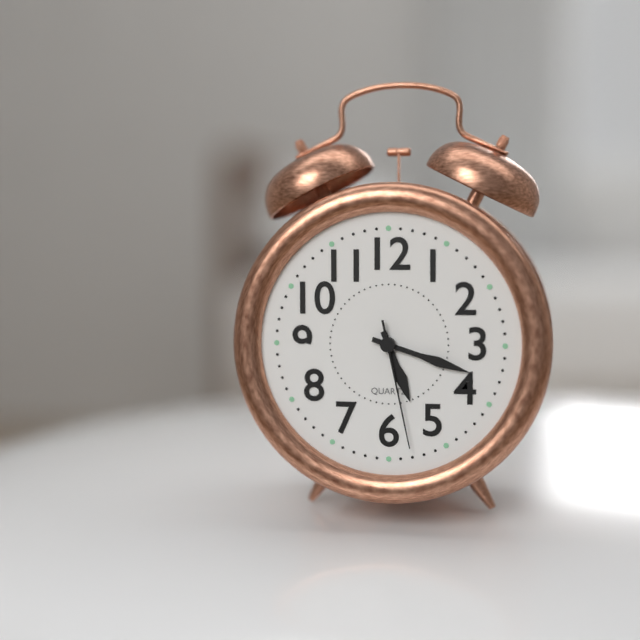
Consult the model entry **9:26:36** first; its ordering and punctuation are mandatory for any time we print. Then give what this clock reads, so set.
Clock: **5:18:28**
